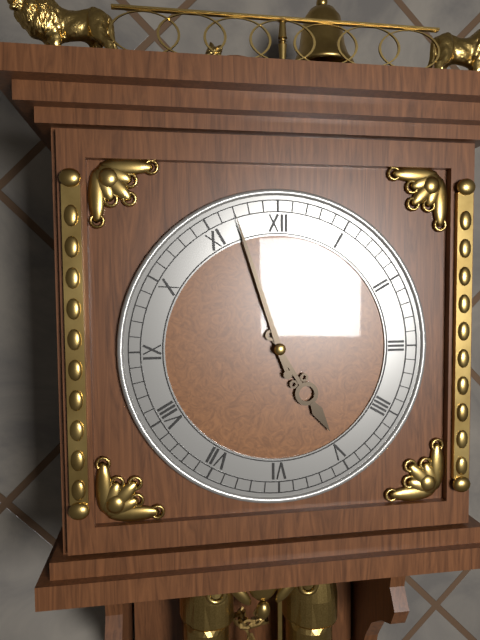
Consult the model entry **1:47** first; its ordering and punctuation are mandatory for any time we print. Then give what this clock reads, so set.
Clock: **4:57**
